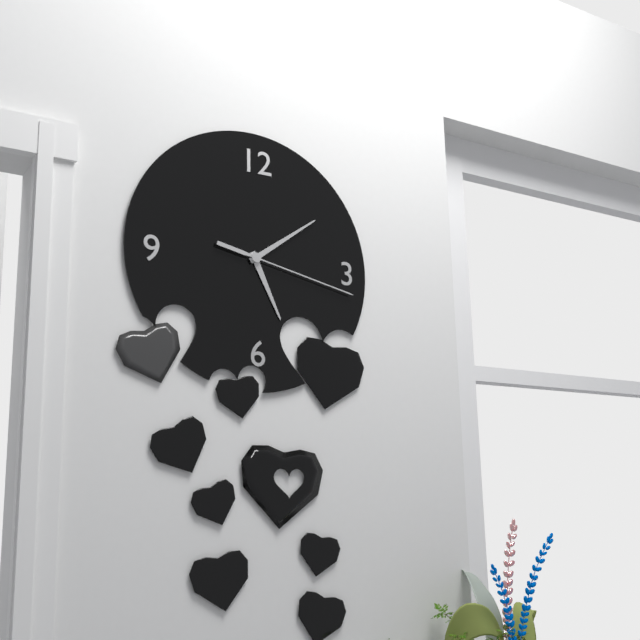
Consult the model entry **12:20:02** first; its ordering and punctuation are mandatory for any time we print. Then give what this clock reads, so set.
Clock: **5:09:17**
